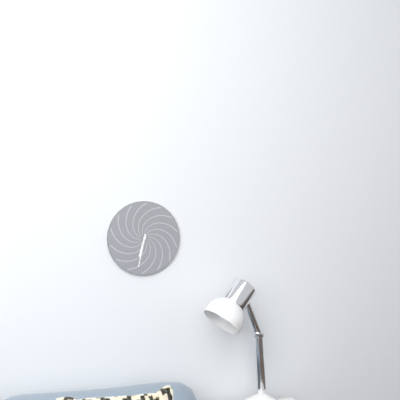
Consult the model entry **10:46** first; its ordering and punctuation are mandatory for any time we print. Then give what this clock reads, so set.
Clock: **6:32**
